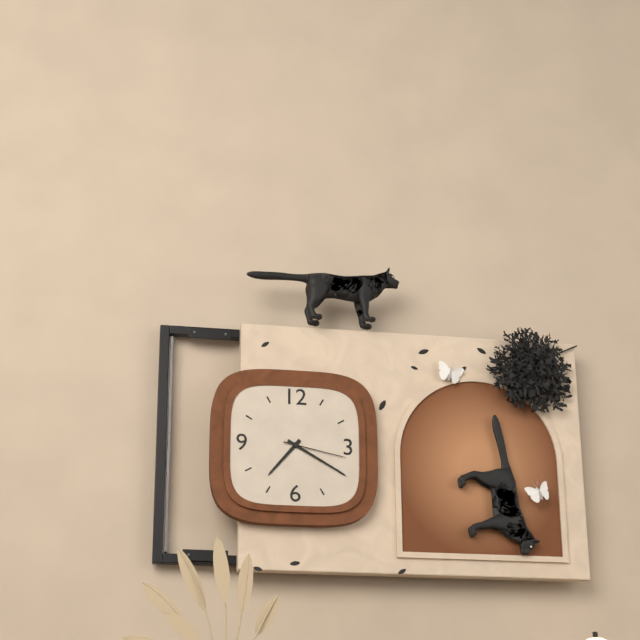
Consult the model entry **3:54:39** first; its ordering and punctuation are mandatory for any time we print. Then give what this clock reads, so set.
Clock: **7:20:17**
